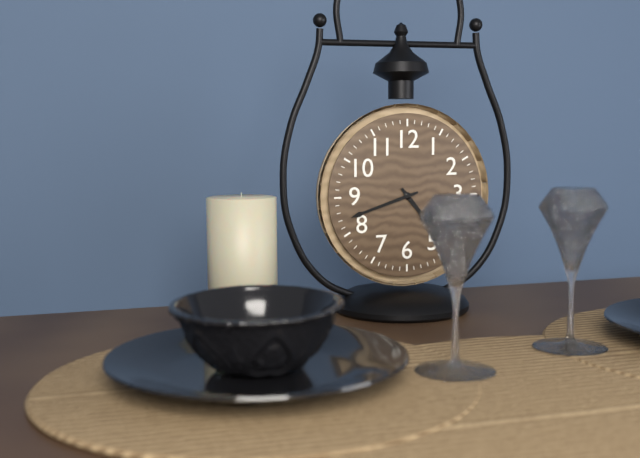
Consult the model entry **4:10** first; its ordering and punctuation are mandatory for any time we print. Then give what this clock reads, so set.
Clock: **4:42**
